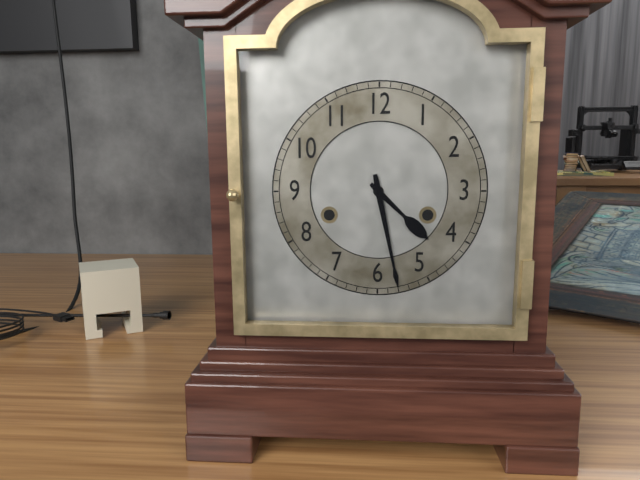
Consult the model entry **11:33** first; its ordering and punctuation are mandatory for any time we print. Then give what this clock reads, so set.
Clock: **4:28**
